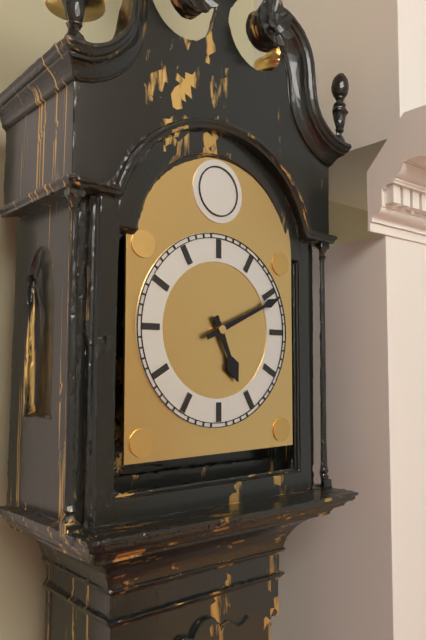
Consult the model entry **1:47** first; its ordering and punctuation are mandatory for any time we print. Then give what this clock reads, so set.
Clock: **5:11**
